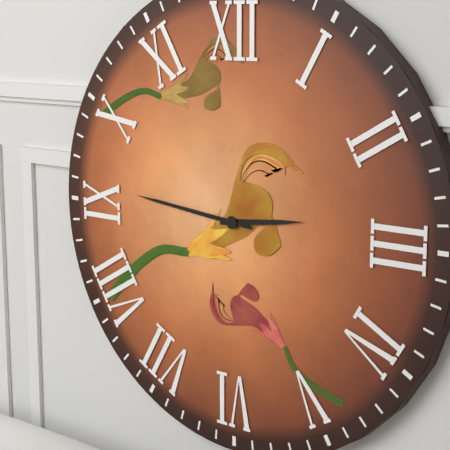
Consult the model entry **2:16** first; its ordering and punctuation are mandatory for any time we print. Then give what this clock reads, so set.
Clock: **2:46**
